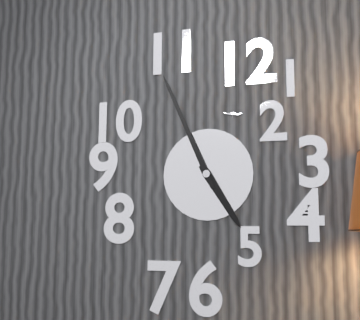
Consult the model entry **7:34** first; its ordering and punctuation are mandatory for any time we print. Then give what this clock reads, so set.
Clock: **4:56**
